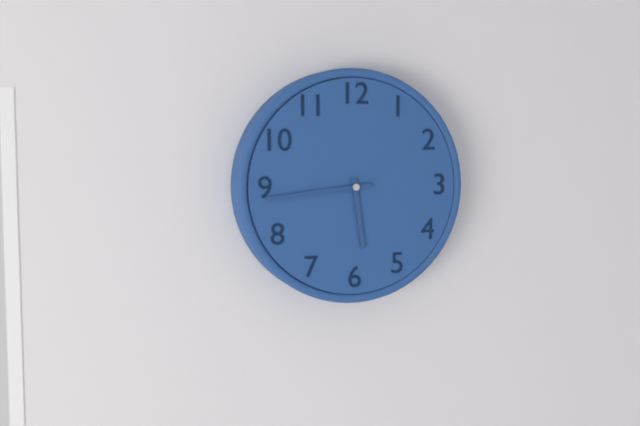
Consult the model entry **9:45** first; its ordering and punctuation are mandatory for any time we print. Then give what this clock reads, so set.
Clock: **5:44**
